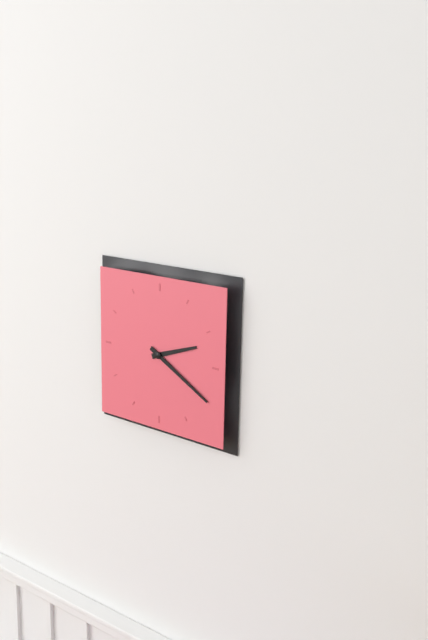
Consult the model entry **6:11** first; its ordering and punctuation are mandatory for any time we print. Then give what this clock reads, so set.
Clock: **2:20**
